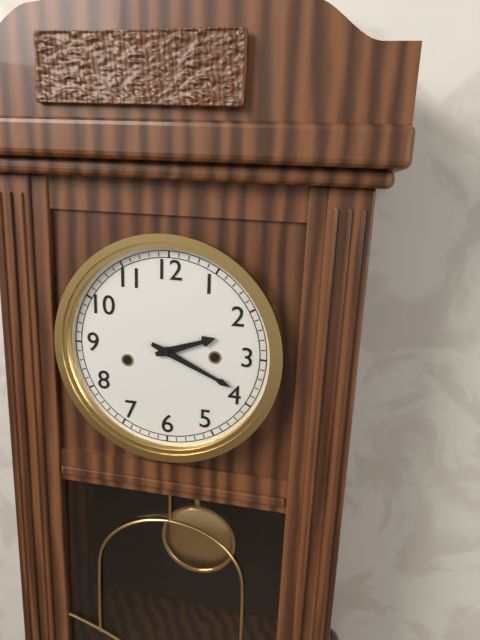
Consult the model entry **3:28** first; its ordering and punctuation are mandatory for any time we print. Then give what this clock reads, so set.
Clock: **2:19**
